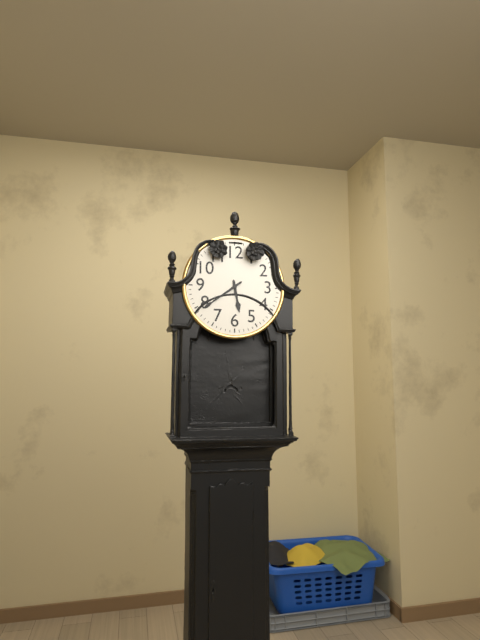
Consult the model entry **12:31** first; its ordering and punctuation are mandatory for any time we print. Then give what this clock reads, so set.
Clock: **5:39**
